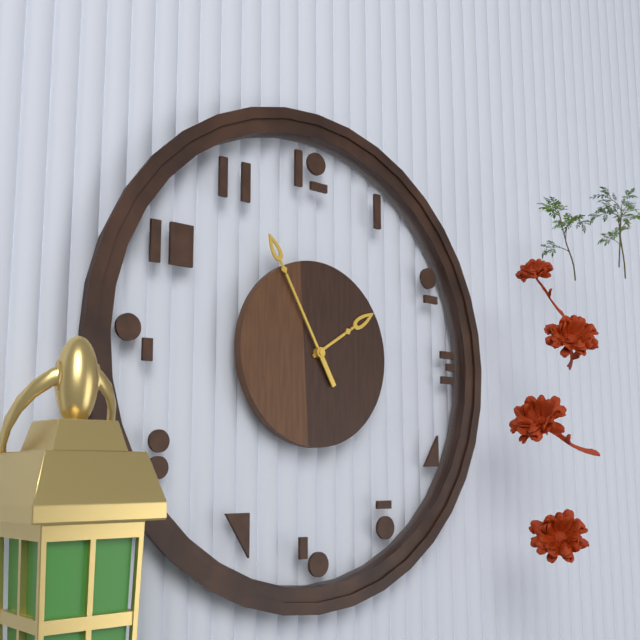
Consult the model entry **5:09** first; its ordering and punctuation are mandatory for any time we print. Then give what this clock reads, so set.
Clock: **1:55**
